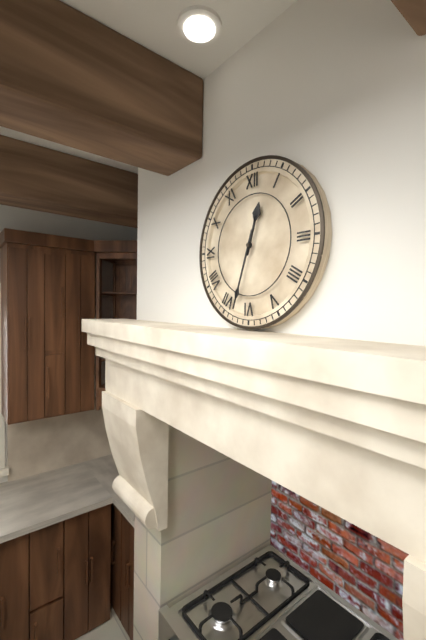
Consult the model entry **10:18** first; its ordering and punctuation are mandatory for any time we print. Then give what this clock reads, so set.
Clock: **12:33**
